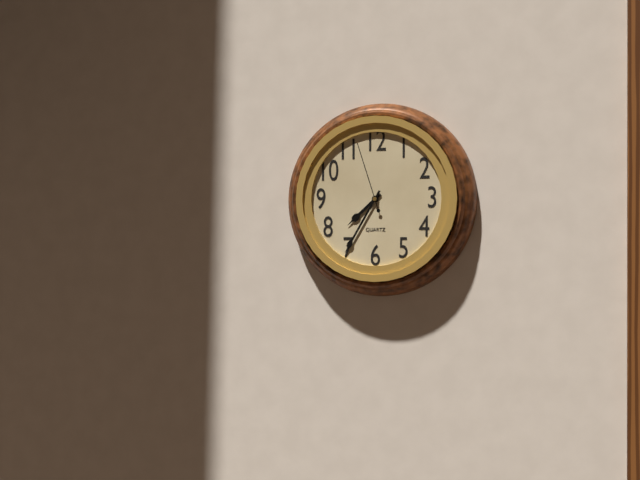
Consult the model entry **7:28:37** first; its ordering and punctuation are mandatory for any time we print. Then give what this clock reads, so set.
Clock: **7:35:57**
